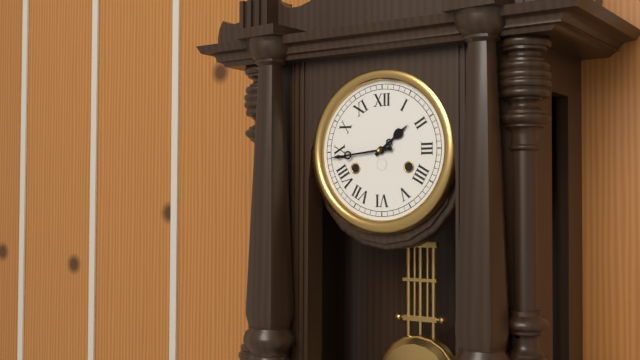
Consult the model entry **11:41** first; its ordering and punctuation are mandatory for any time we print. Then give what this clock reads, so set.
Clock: **1:44**
